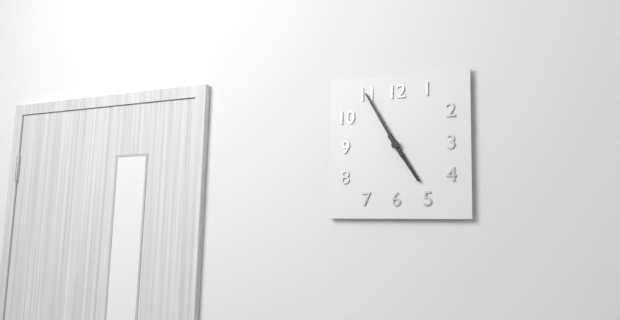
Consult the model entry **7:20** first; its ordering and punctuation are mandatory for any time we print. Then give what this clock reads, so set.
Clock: **4:55**
